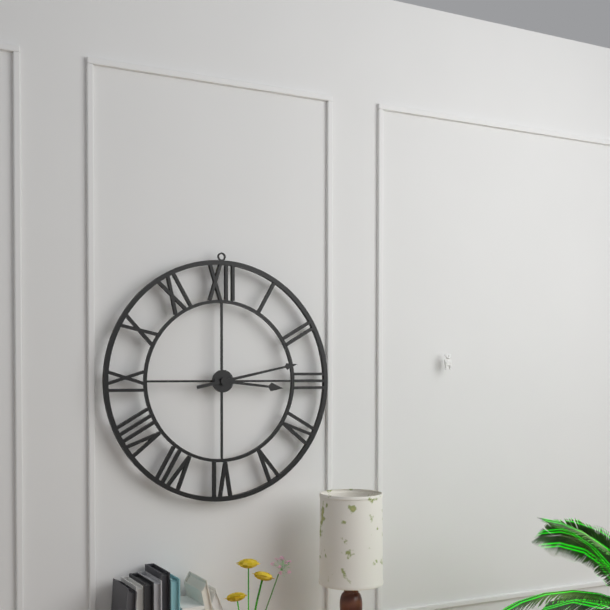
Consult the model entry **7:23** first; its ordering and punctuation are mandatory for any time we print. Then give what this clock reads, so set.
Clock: **3:13**
